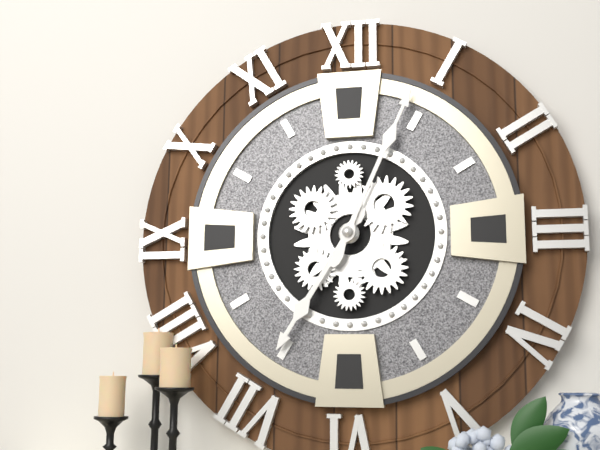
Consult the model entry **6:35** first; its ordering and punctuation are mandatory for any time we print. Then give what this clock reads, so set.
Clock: **7:04**
